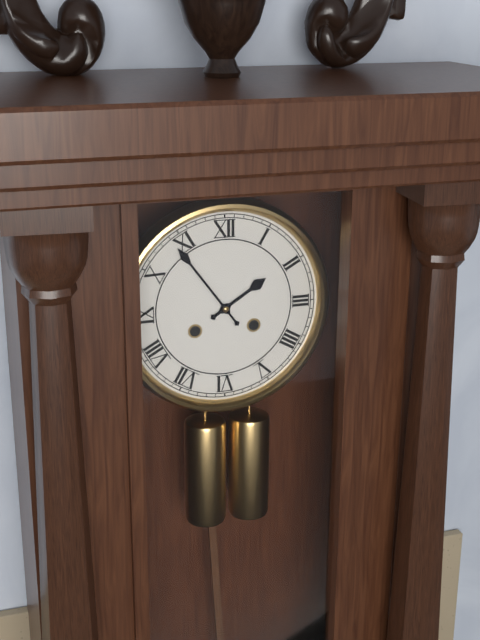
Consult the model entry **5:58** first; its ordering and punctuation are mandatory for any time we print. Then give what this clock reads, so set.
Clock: **1:54**
